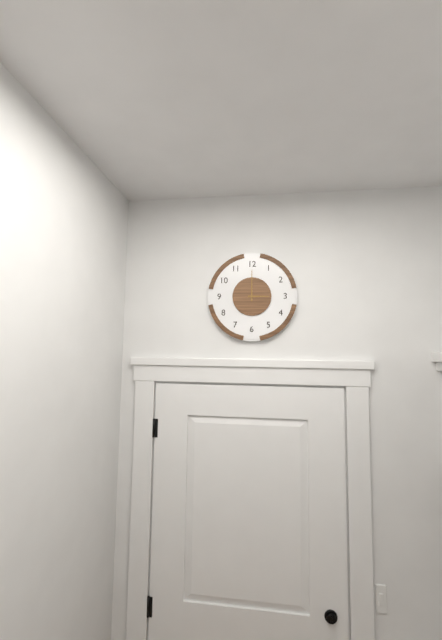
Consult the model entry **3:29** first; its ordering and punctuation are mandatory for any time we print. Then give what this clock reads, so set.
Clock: **3:00**
